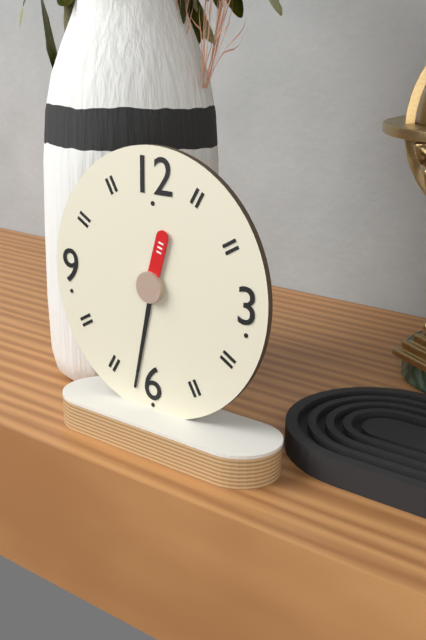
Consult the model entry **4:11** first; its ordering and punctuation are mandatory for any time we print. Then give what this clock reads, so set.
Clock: **12:32**
